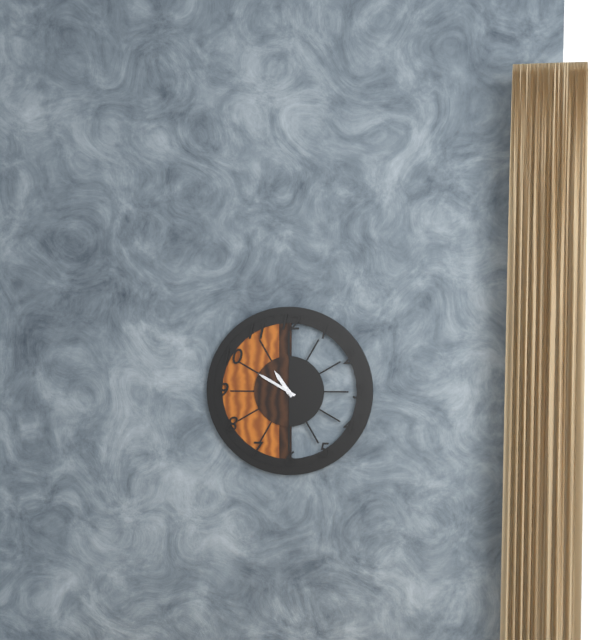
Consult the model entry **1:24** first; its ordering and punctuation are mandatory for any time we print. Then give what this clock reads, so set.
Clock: **10:50**
